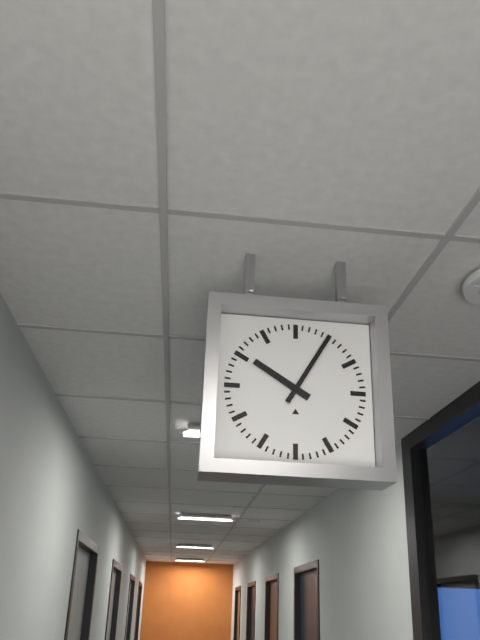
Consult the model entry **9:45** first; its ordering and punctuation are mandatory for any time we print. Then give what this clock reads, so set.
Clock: **10:05**
